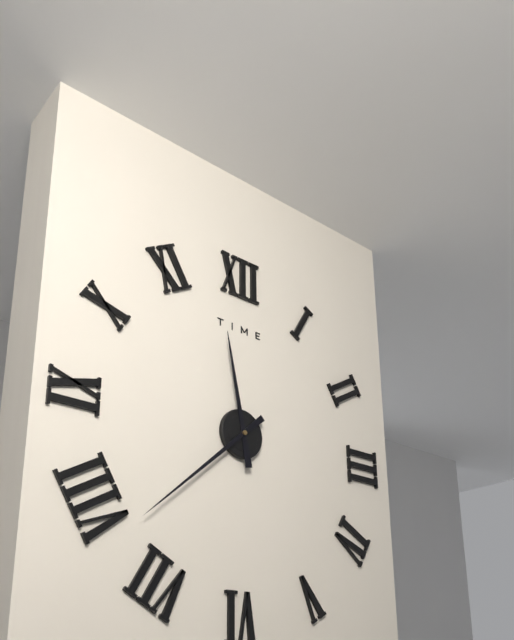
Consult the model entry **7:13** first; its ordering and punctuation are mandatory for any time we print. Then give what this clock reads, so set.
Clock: **11:38**
